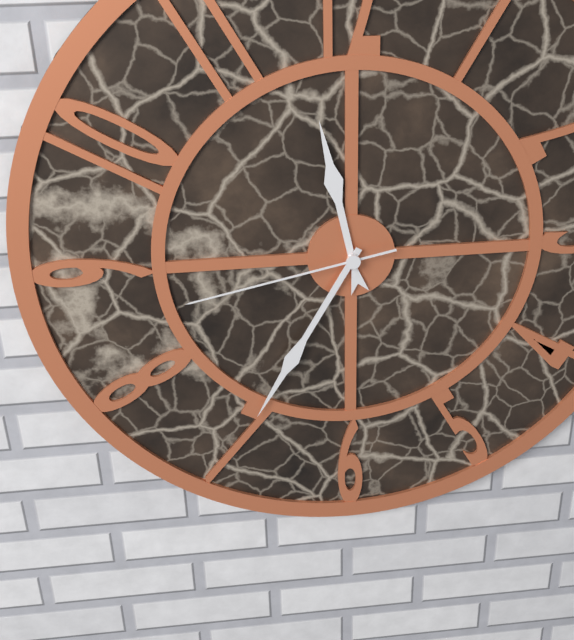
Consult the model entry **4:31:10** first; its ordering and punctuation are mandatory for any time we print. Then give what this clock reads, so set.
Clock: **11:35:43**
